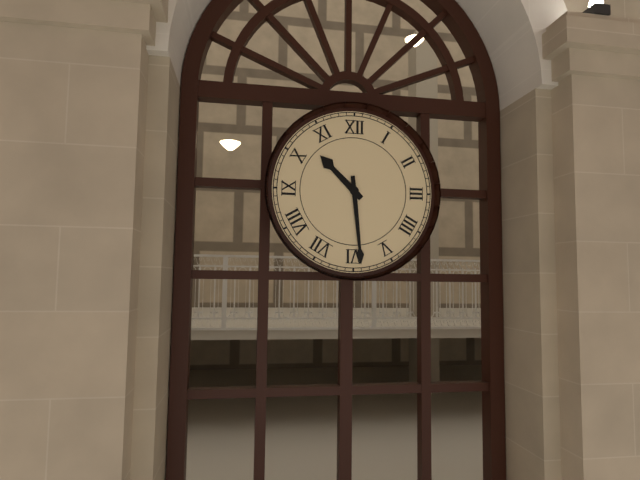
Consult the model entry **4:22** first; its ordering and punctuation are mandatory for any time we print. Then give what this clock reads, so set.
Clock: **10:29**
